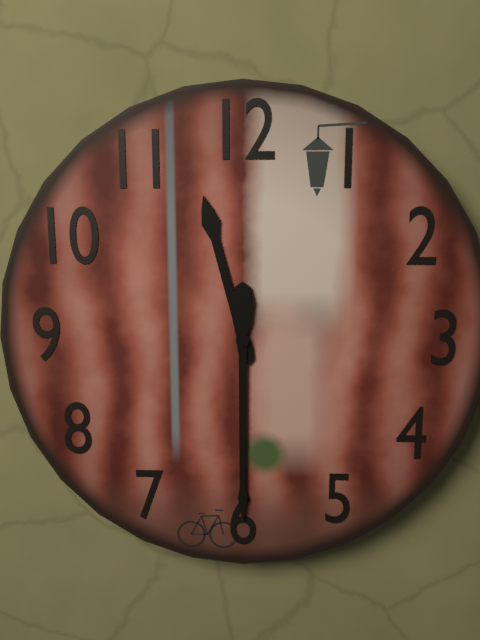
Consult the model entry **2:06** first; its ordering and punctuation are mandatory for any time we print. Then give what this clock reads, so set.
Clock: **11:30**
